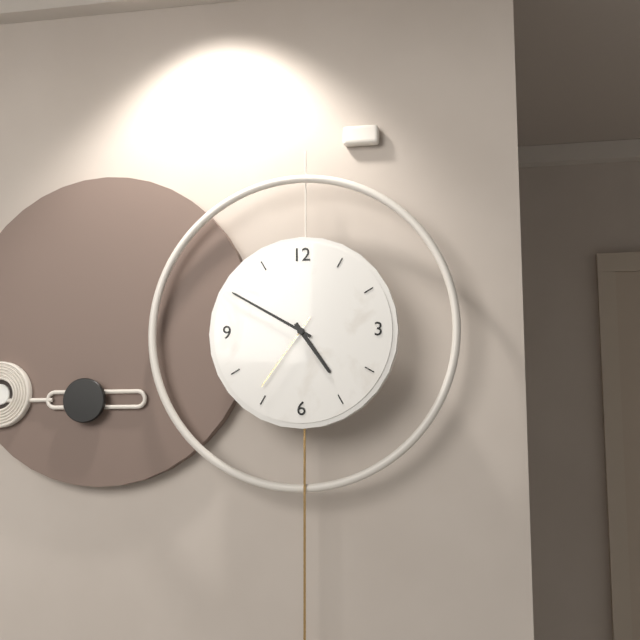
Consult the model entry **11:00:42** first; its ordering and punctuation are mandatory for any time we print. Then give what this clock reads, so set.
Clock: **4:50:36**
